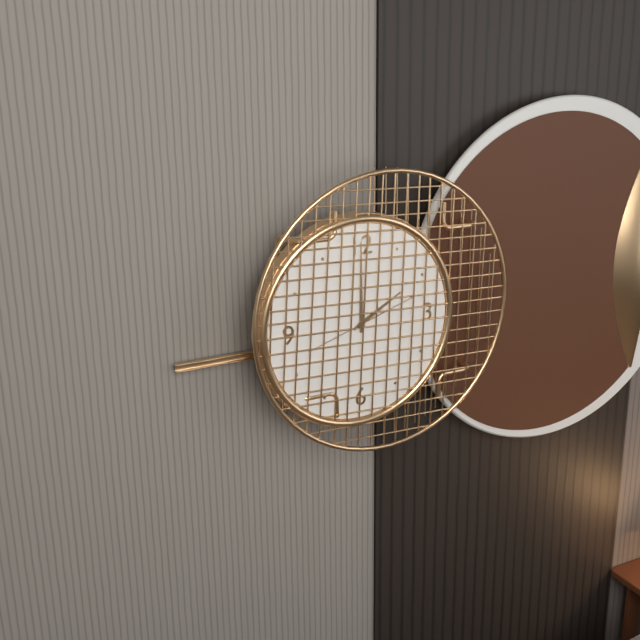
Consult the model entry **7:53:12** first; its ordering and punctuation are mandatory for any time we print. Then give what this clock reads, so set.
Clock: **2:00:12**
